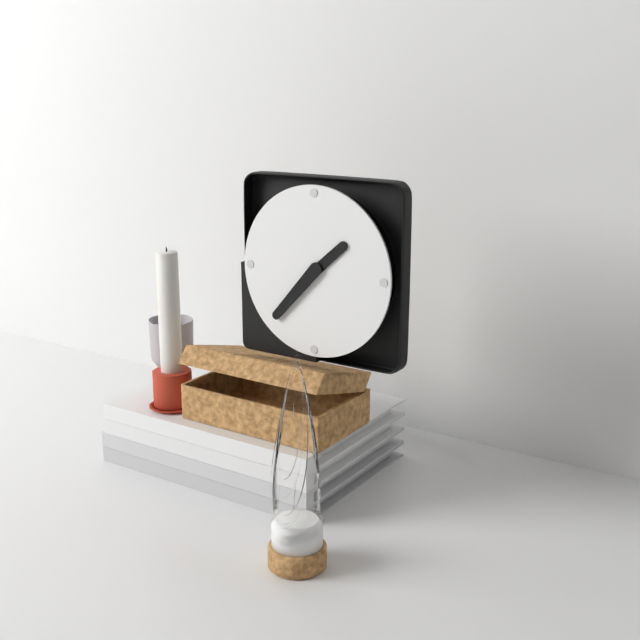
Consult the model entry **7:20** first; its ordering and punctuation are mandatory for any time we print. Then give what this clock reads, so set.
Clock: **1:37**
